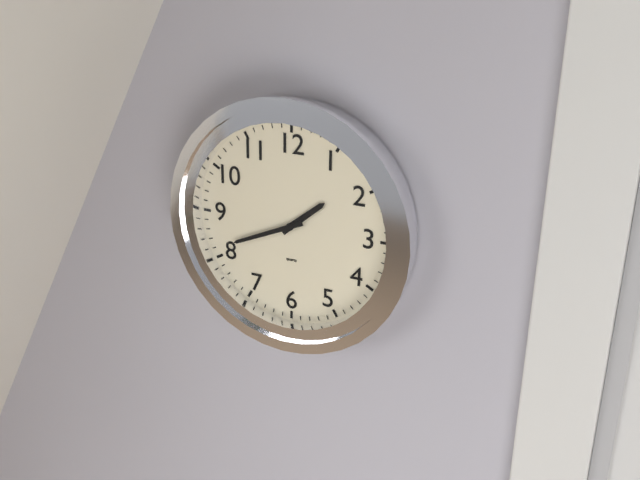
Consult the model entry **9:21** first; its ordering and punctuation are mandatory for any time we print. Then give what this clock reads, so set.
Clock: **1:41**
